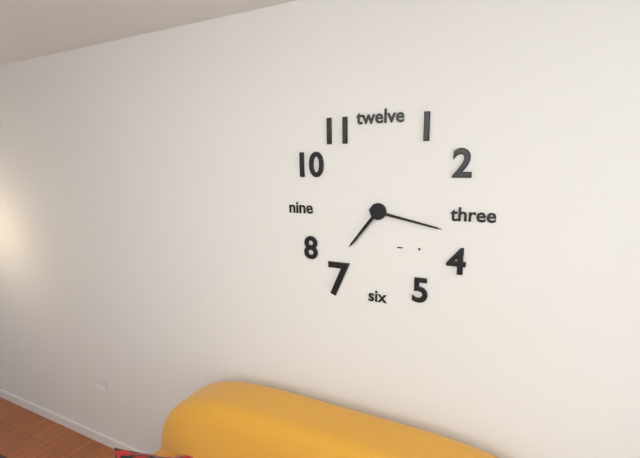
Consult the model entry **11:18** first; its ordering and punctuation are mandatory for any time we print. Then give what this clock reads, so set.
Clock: **7:17**
